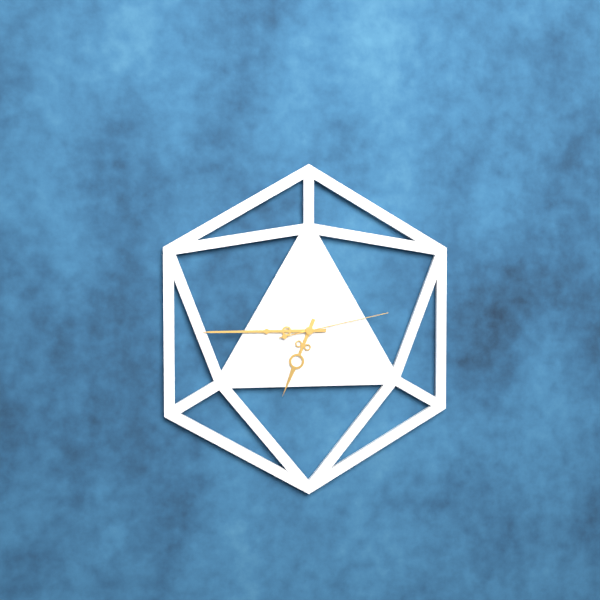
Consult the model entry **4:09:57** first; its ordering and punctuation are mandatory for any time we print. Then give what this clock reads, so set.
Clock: **6:45:13**
